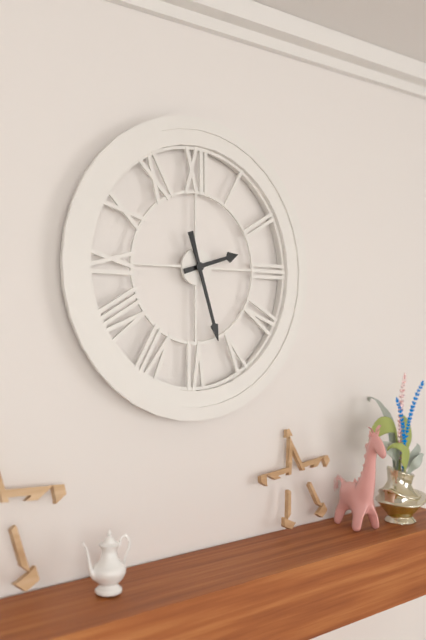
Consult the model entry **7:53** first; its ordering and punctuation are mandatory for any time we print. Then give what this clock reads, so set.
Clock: **2:27**
